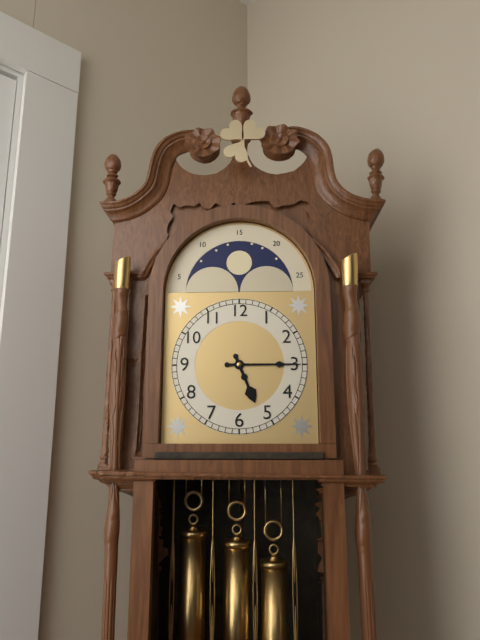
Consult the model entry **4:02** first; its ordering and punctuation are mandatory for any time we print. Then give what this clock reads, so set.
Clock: **5:15**
